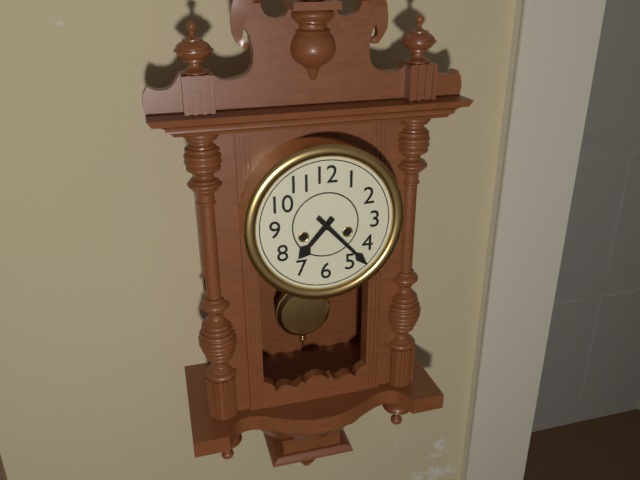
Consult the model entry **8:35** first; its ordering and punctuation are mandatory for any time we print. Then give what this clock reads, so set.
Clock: **7:23**
